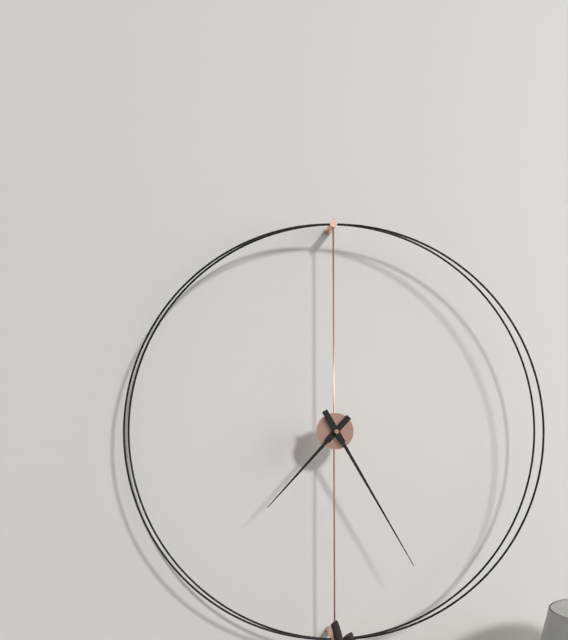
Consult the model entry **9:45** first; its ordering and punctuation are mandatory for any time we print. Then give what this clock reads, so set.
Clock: **7:25**
